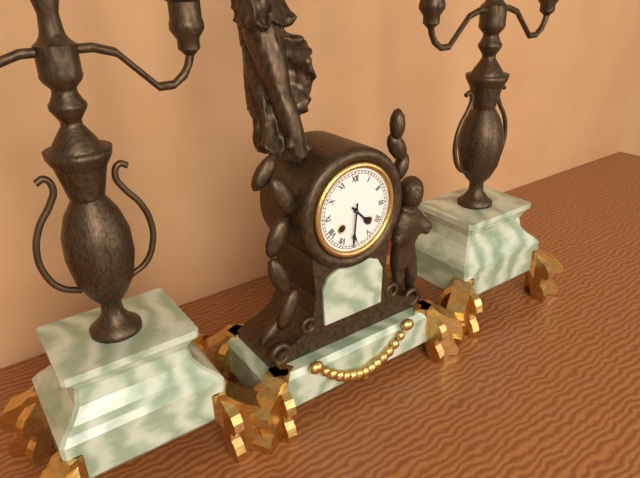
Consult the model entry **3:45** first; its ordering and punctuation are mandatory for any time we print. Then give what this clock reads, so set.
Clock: **4:31**
